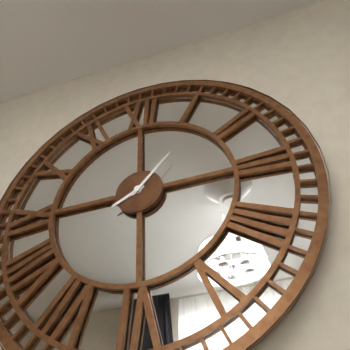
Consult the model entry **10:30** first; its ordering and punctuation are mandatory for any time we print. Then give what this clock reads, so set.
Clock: **8:07**
